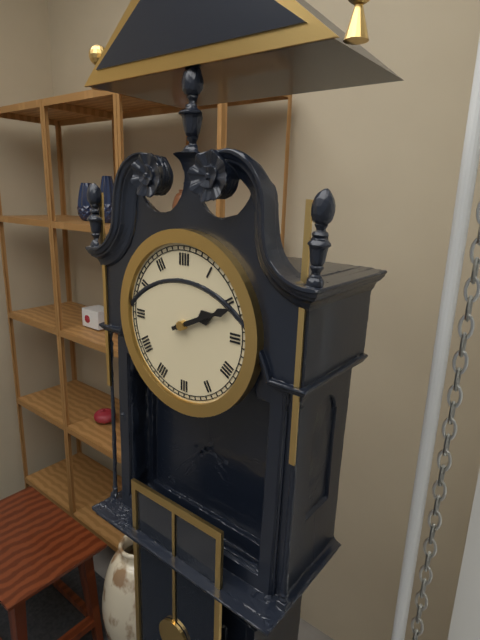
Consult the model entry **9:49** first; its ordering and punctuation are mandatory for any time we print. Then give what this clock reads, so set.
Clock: **2:11**
